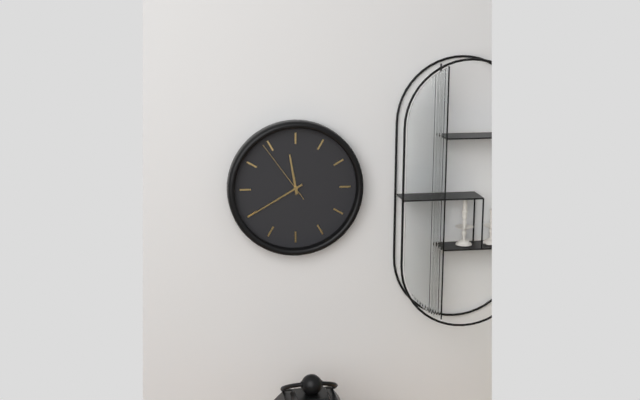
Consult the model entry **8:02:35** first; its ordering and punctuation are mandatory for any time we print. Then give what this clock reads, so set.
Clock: **11:40:54**
